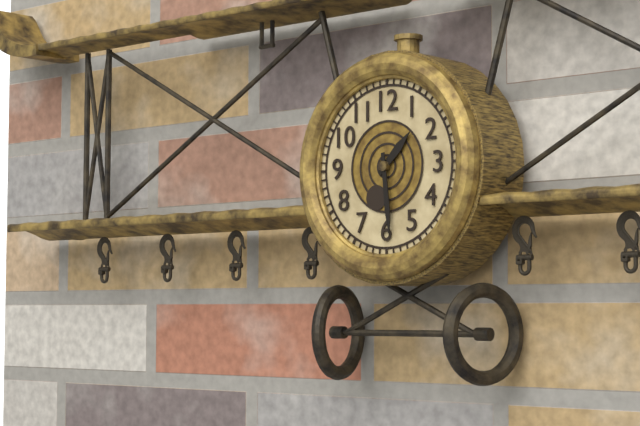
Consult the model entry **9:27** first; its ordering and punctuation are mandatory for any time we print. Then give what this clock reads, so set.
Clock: **1:29**
